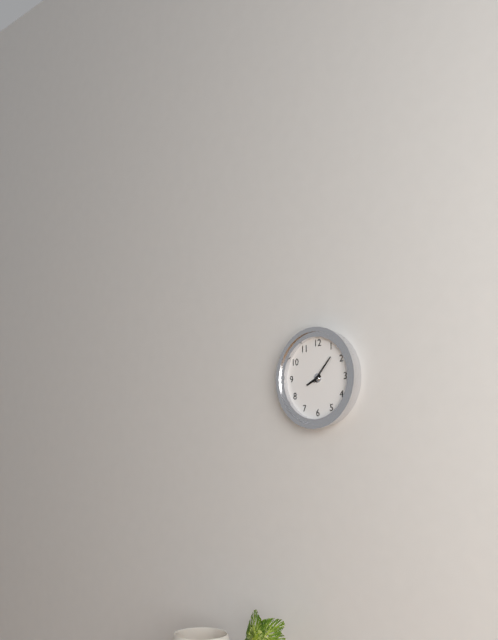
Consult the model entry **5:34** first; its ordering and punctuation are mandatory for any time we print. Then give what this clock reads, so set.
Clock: **8:07**
